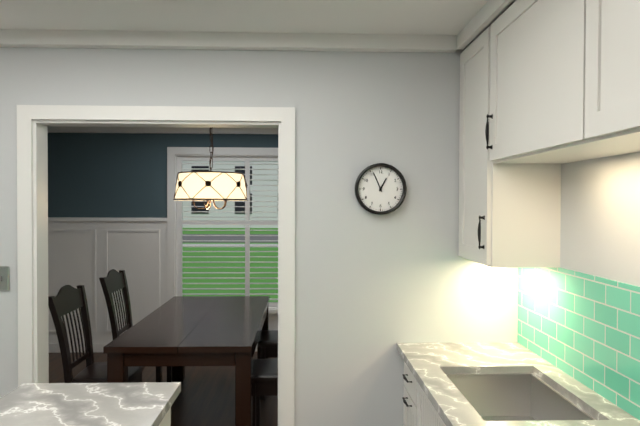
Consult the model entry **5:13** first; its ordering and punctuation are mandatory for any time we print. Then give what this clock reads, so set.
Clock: **12:56**
